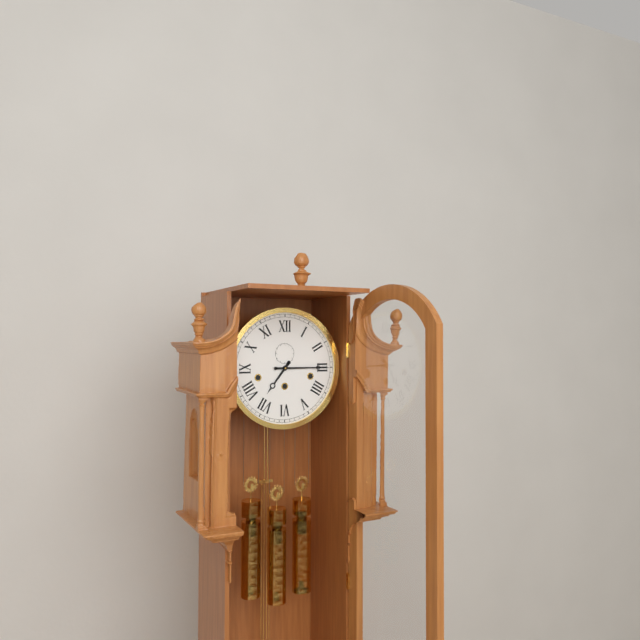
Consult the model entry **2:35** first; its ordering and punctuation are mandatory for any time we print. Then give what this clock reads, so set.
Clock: **7:15**
